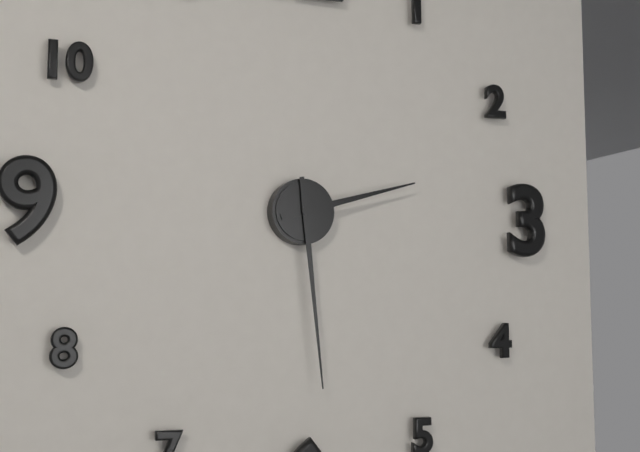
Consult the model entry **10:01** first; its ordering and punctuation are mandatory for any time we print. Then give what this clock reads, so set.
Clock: **2:29**
